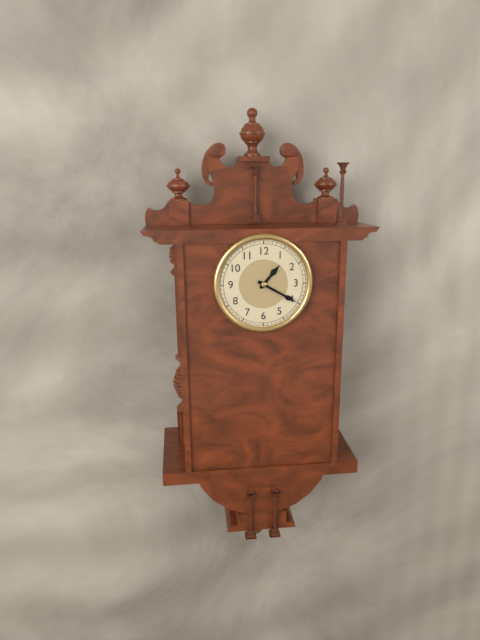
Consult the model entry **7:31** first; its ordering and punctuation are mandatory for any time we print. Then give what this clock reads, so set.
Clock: **1:20**
